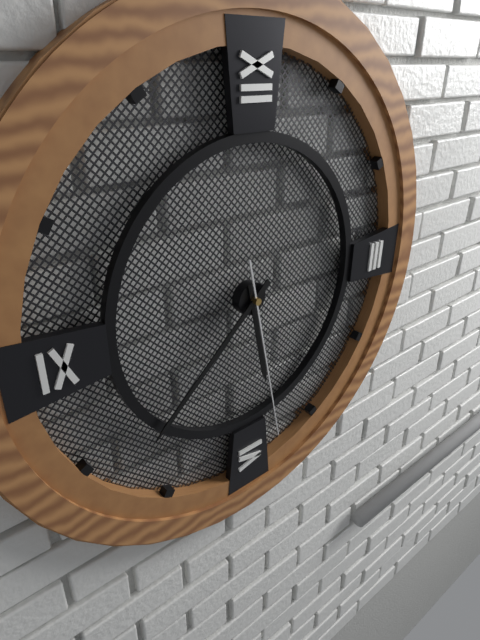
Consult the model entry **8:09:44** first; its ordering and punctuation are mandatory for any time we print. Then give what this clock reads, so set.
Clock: **5:38:28**
